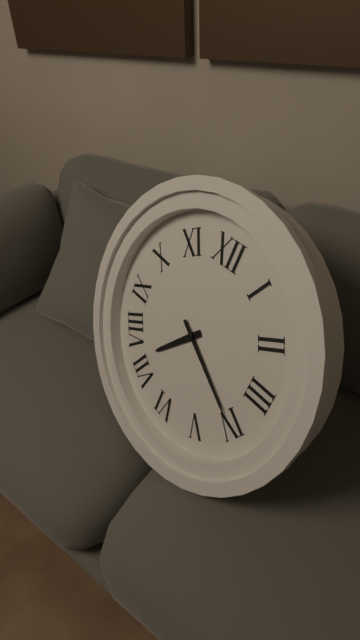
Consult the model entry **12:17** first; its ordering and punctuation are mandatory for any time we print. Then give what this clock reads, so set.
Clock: **7:20**
